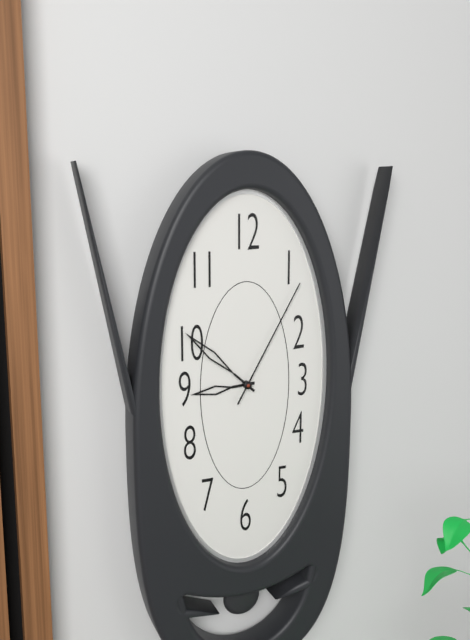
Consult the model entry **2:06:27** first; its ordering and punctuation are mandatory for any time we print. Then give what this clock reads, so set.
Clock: **8:52:05**
